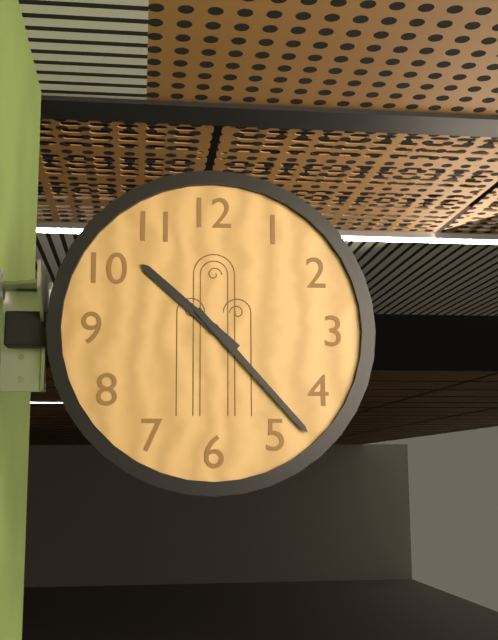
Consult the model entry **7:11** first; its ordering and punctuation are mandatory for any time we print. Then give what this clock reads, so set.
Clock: **10:23**
